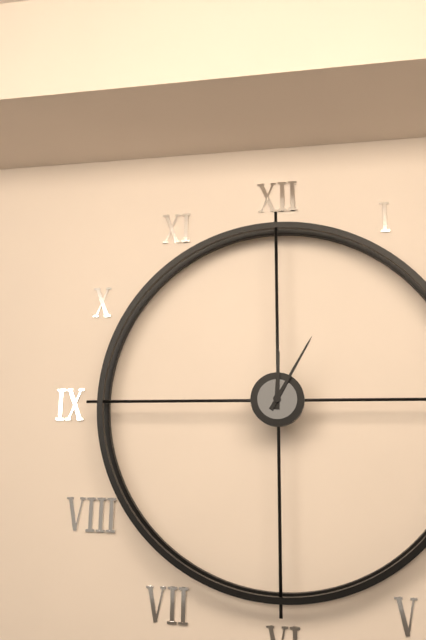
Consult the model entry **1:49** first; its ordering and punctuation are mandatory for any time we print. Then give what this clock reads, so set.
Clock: **12:05**
